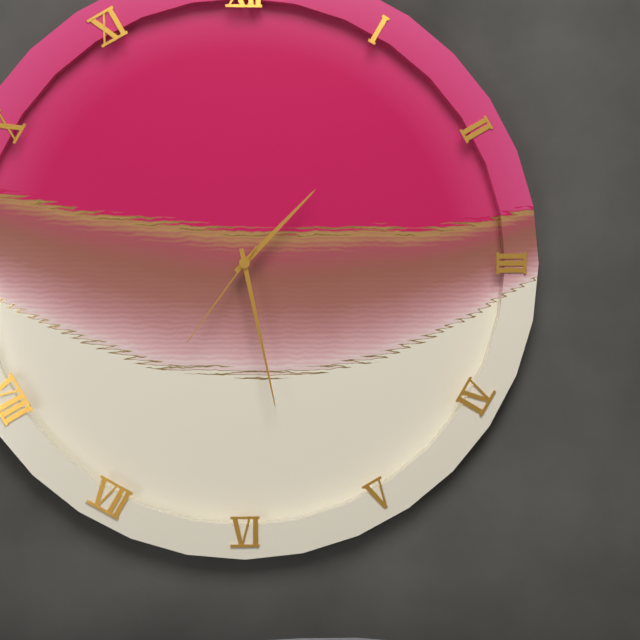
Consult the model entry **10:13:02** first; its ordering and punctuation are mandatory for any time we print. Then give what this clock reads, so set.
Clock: **1:28:36**
